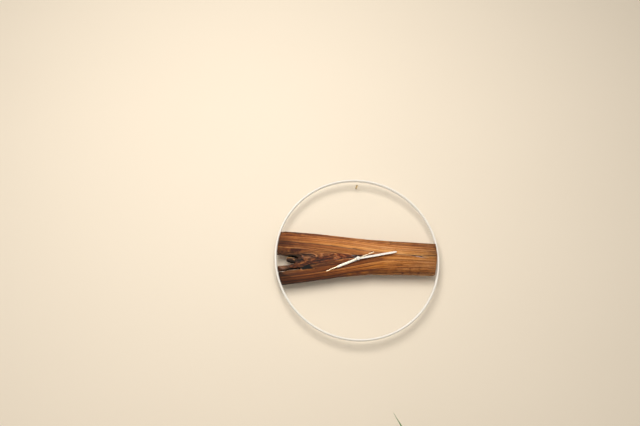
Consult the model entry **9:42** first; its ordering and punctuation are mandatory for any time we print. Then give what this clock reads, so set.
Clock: **8:13**
